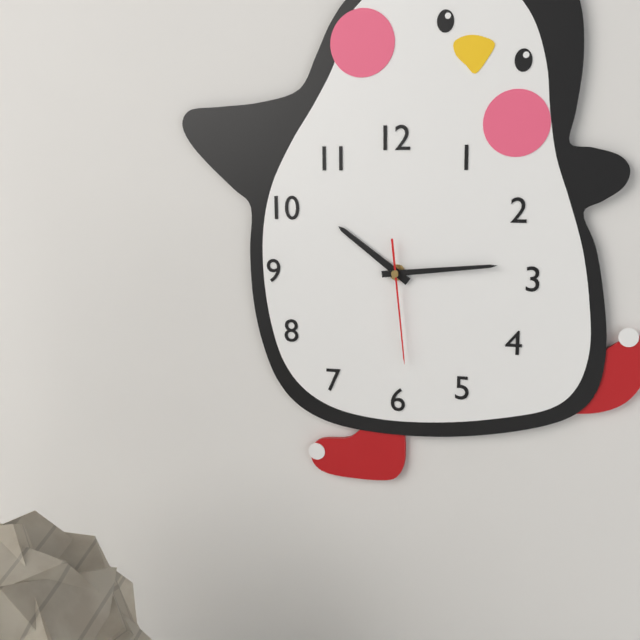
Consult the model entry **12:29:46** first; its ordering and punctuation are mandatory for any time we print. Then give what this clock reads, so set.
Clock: **10:14:29**
